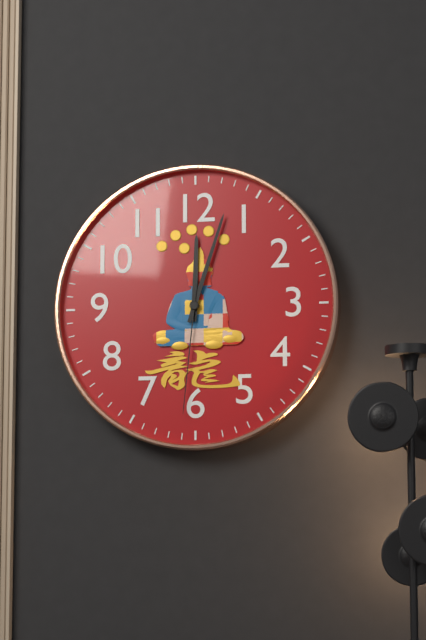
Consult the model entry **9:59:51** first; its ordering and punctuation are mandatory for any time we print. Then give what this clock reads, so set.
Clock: **12:03:31**
